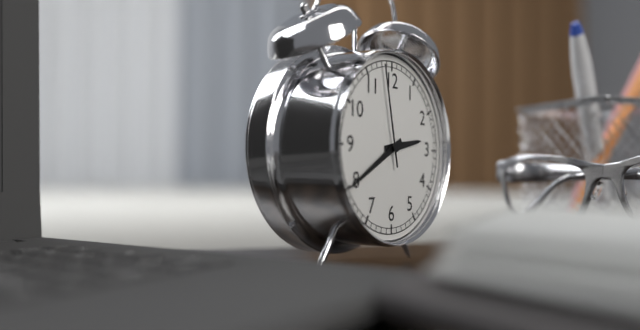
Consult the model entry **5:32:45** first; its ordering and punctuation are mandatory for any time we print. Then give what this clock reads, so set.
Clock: **2:40:58**
